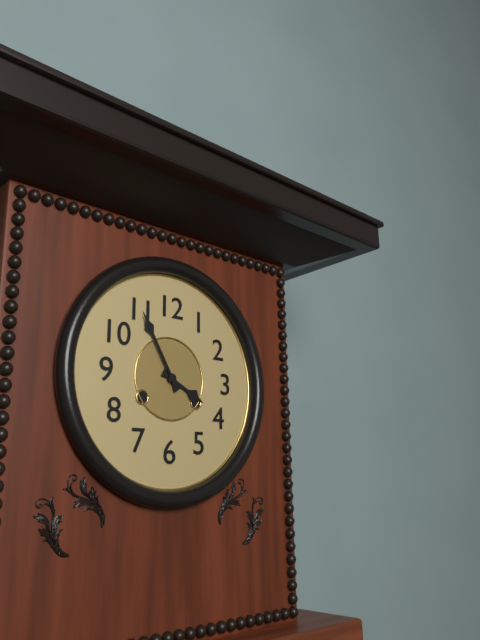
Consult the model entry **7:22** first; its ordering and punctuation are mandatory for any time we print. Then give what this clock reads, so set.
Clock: **3:55**
